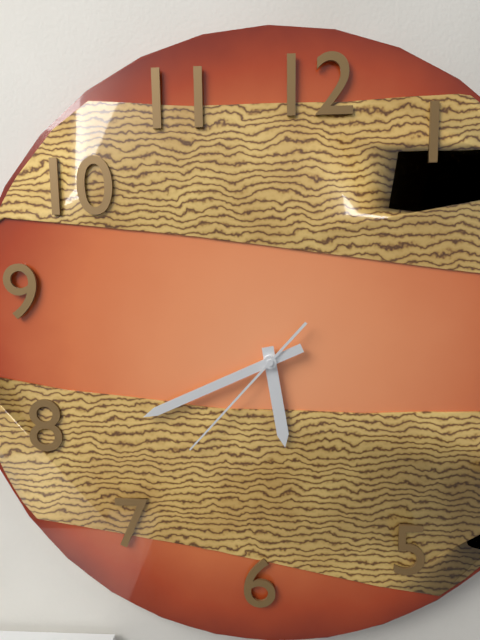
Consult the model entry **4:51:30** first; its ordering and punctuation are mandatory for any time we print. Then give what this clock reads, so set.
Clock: **5:41:37**
